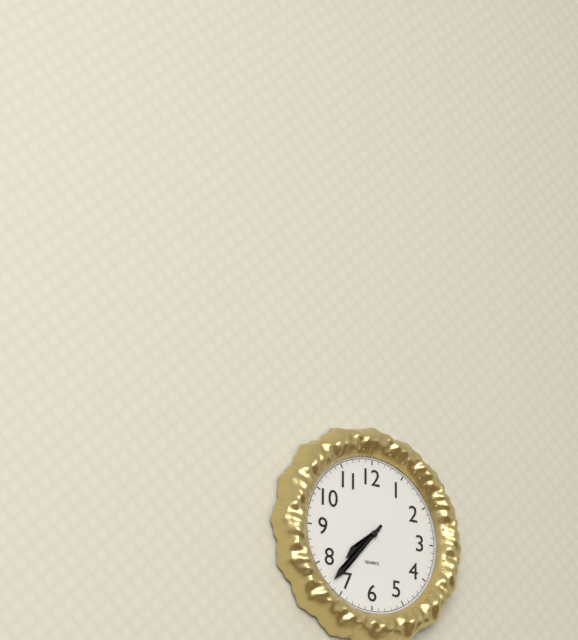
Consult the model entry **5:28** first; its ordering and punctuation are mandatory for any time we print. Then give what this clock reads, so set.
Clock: **7:37**
